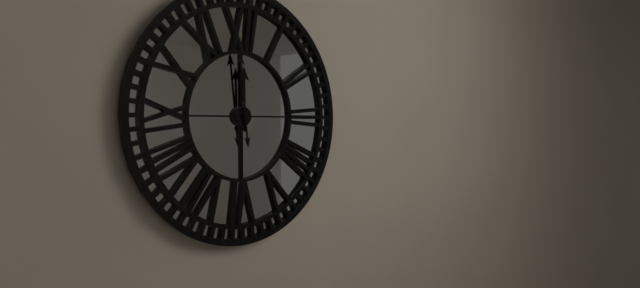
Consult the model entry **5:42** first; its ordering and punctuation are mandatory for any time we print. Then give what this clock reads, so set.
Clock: **11:59**
